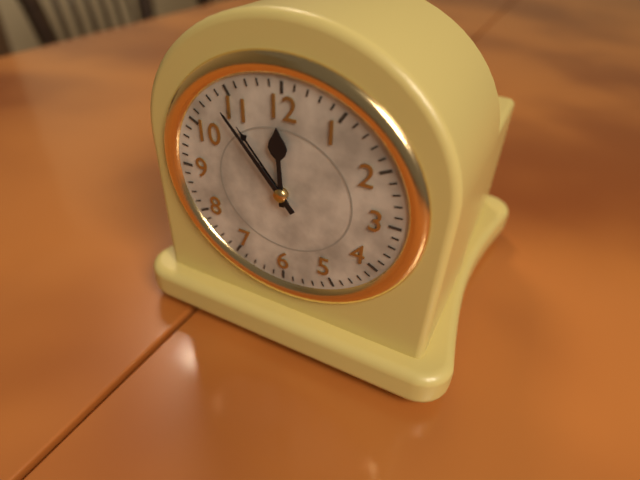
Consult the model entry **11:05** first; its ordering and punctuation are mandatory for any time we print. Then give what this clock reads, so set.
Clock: **11:53**
